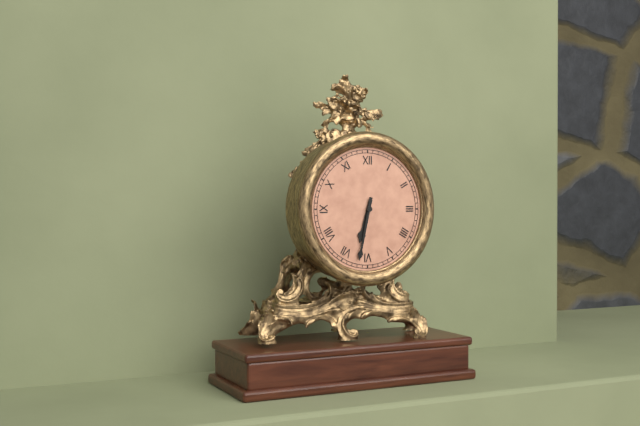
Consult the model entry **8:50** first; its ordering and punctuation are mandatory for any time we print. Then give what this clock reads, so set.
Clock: **6:32**
